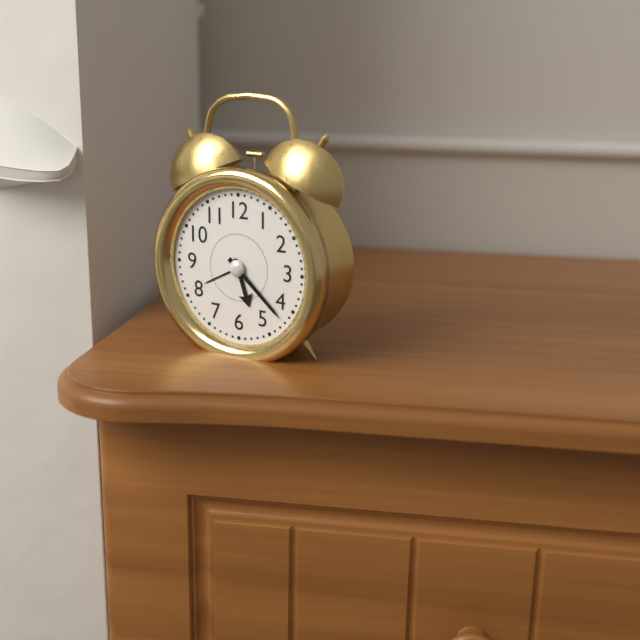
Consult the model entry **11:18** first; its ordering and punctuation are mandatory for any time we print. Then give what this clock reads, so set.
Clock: **5:22**
